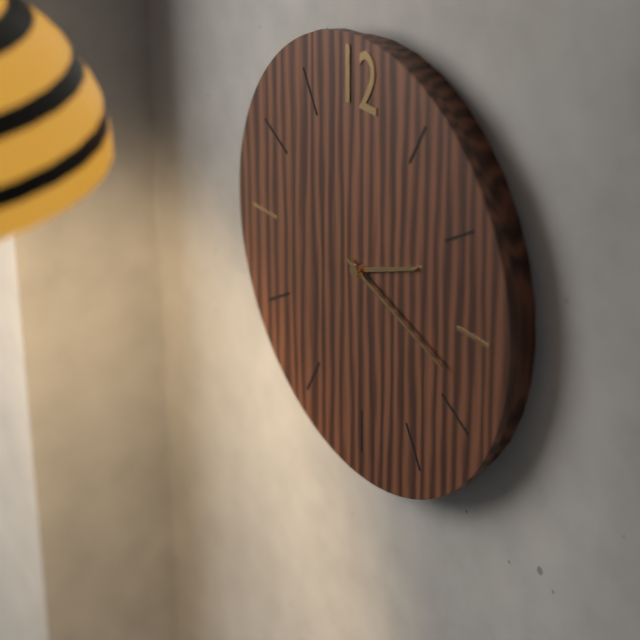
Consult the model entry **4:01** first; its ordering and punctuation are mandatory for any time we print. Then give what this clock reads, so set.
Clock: **2:18**
